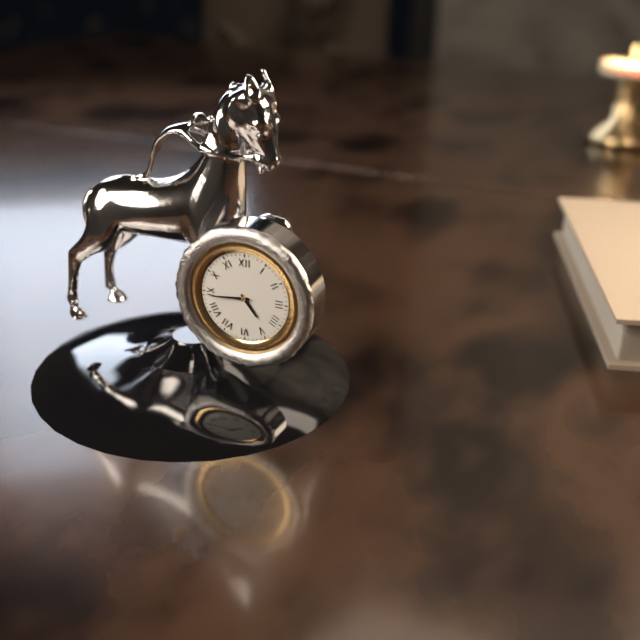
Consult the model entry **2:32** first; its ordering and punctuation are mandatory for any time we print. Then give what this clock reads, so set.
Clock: **4:44**
